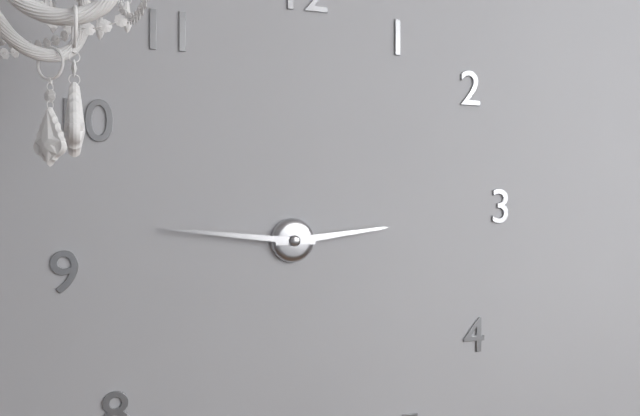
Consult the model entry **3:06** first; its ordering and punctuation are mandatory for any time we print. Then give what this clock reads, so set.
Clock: **2:46**
